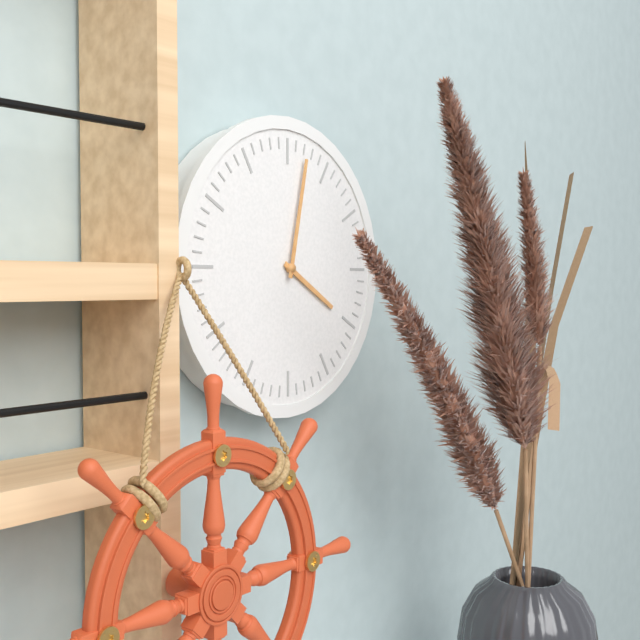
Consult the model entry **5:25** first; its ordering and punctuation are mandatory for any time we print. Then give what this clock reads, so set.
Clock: **4:02**
